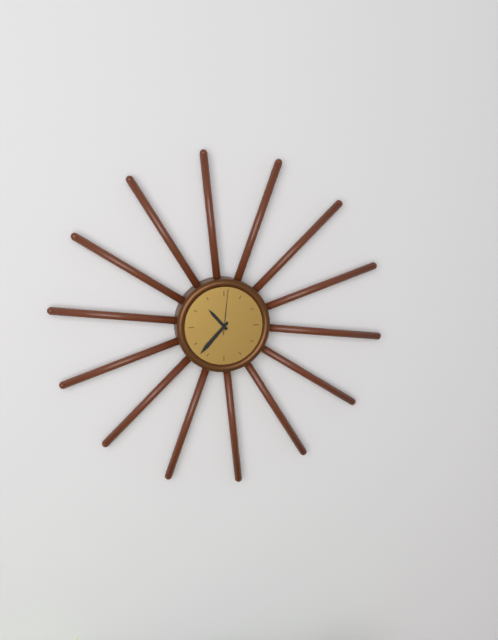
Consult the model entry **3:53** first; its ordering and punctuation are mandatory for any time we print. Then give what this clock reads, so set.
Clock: **10:37**
